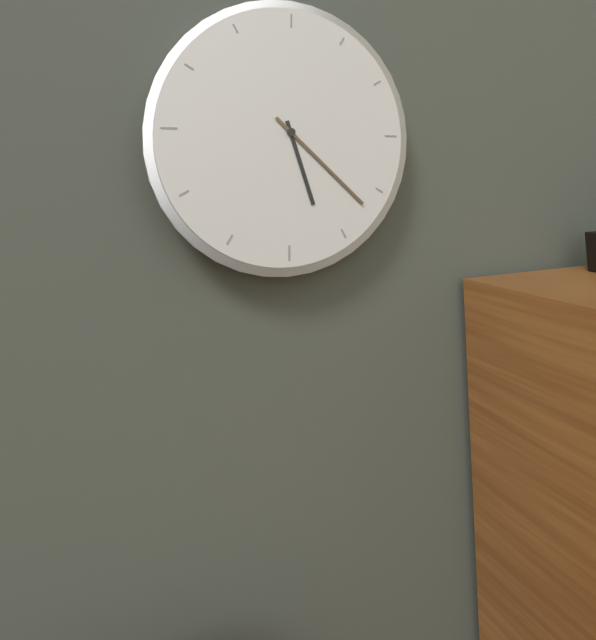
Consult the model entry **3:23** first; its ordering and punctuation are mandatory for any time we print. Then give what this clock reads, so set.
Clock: **5:22**
